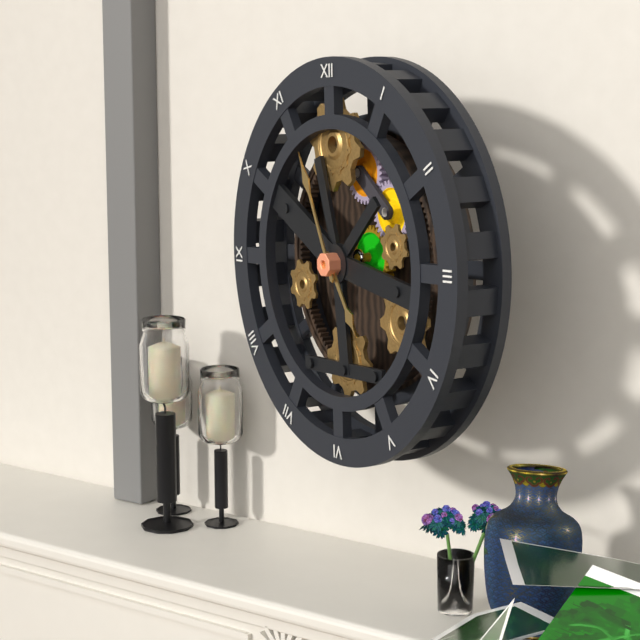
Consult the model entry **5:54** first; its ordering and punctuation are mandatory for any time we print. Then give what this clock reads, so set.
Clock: **4:56**
